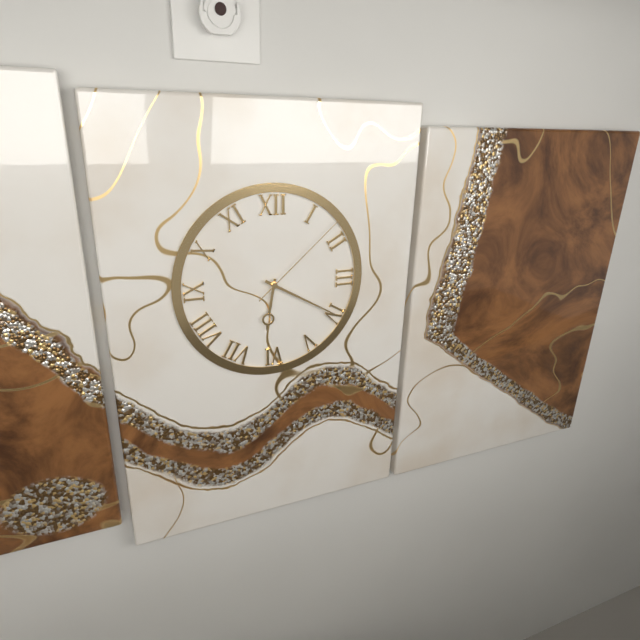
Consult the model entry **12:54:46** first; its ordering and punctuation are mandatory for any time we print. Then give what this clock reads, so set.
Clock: **6:20:08**
